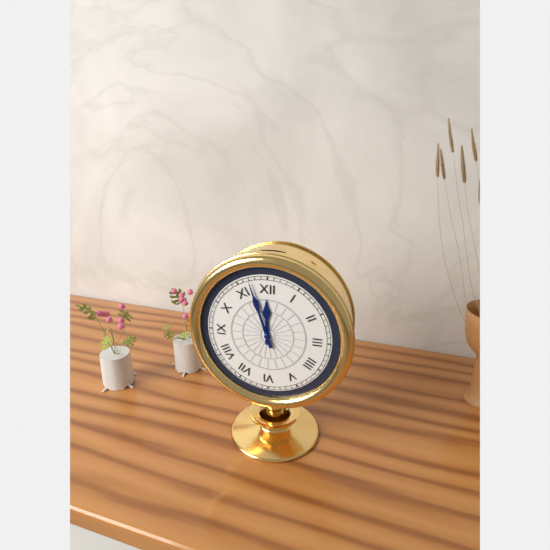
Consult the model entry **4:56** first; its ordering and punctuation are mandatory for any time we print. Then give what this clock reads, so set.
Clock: **11:57**
